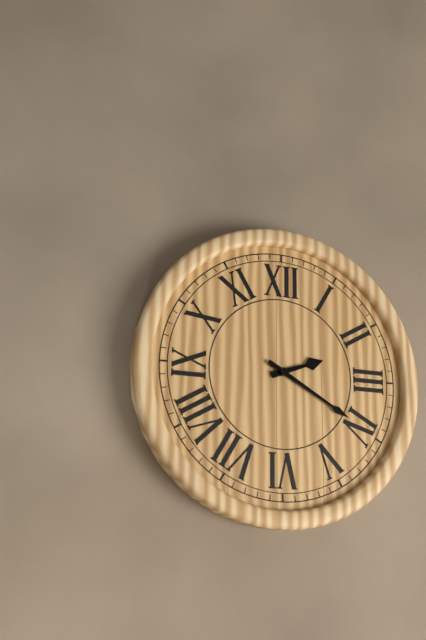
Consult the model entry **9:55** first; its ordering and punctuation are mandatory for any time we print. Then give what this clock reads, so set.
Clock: **2:20**
